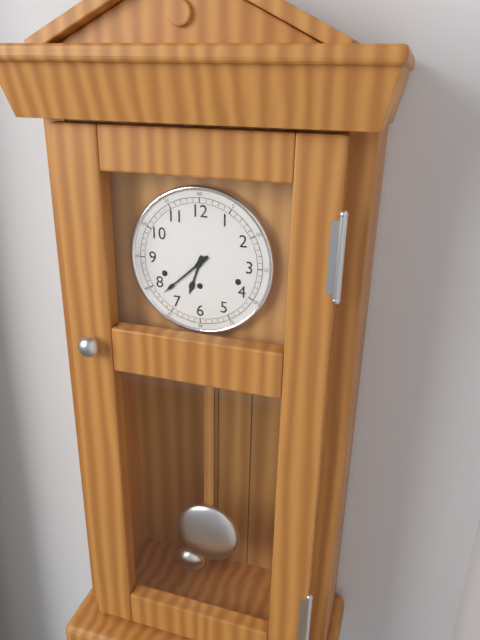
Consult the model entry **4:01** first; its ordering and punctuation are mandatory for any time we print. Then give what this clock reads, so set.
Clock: **6:38**
